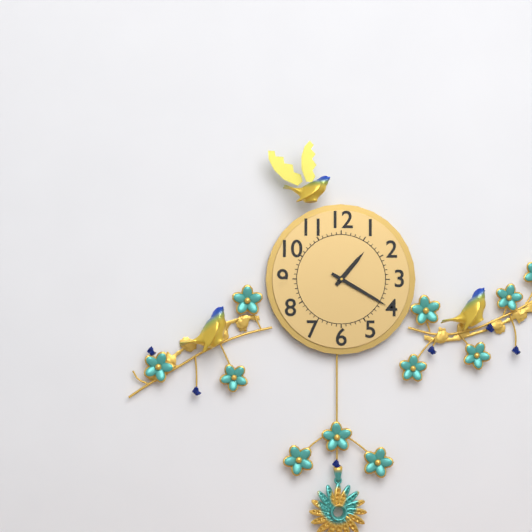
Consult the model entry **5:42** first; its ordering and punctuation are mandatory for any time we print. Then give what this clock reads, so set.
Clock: **1:20**
